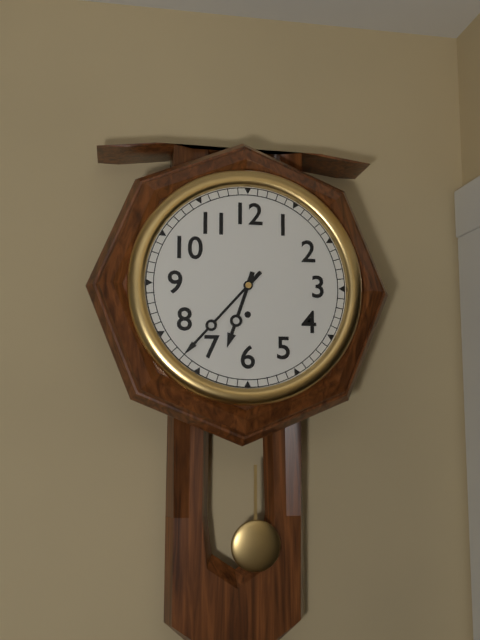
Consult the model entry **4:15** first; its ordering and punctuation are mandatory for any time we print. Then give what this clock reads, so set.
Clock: **6:37**
